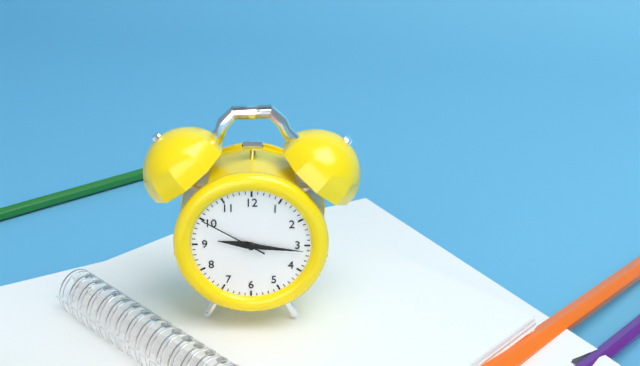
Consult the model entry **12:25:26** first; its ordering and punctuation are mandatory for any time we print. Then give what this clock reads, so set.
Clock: **9:16:50**
